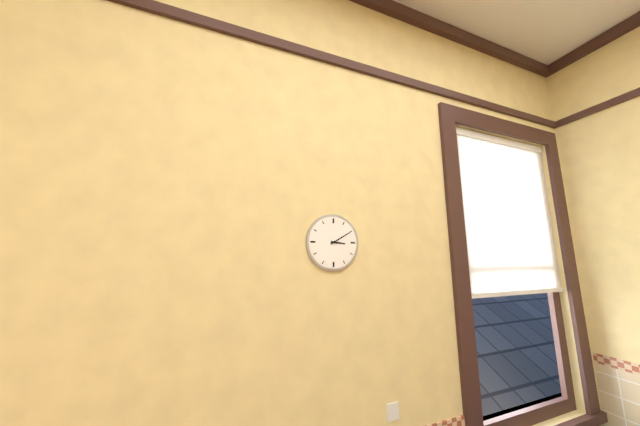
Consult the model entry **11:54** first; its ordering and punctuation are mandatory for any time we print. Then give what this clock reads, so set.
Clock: **3:10**
